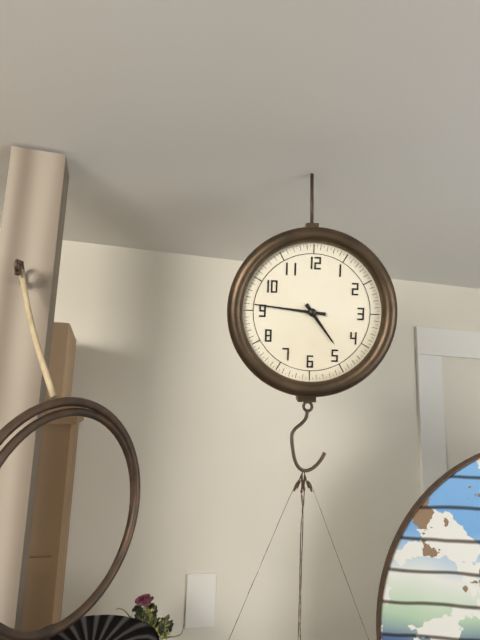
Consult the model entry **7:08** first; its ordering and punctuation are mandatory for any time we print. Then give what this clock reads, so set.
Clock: **4:46**
